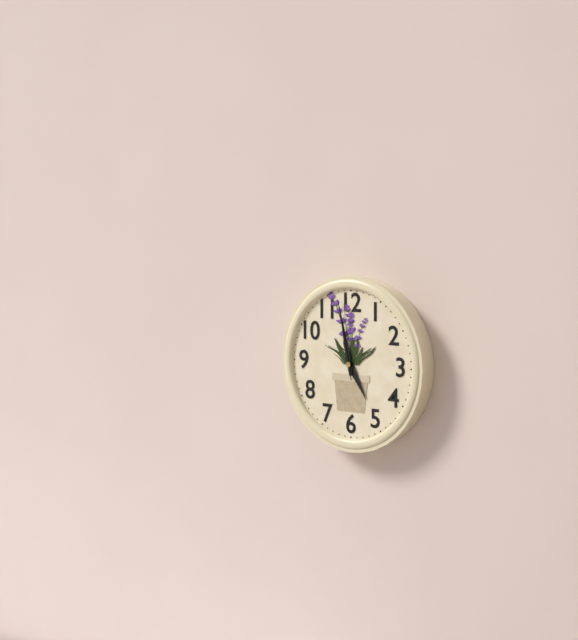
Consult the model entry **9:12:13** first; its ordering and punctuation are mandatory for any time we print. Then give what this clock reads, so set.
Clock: **4:58:58**
